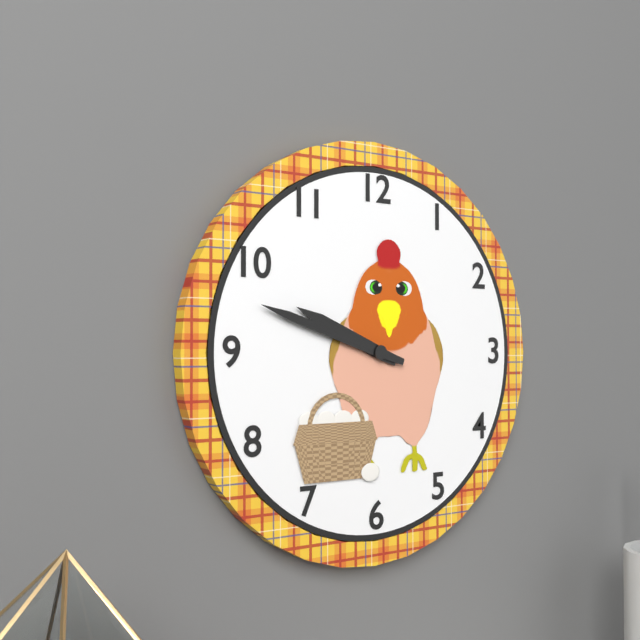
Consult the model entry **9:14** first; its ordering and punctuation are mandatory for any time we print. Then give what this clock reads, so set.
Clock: **9:48**
